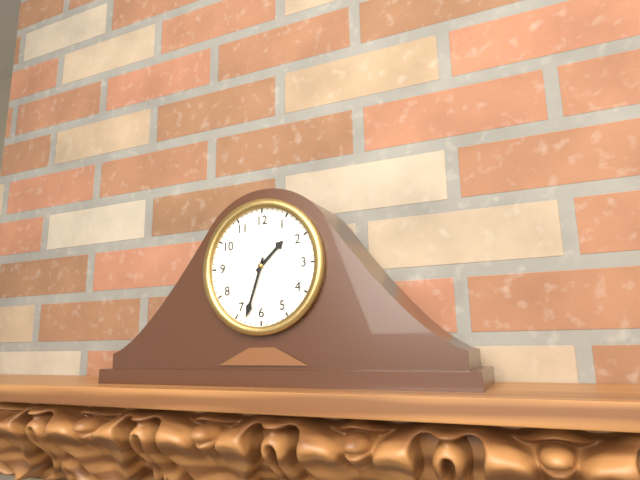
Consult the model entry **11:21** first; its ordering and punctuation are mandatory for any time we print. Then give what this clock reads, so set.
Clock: **1:33**
